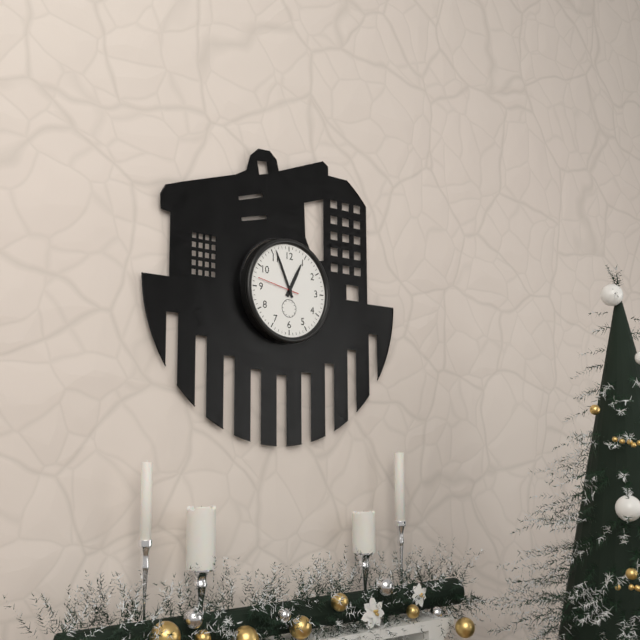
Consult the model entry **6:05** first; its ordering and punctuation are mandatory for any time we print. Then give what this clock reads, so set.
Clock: **12:56**
